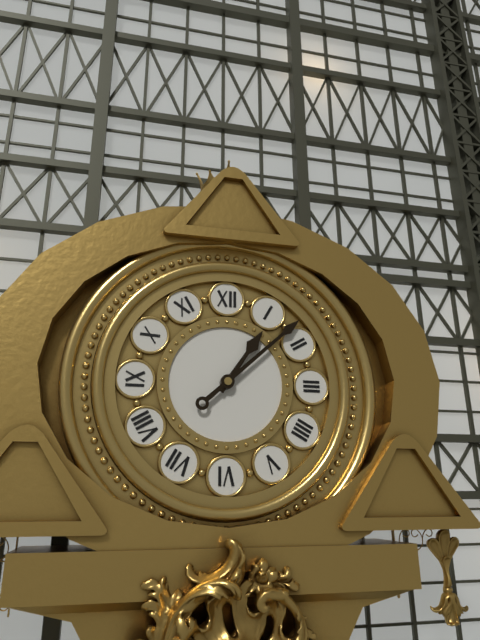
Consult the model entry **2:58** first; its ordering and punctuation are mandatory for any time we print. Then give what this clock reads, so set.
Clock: **1:08**
